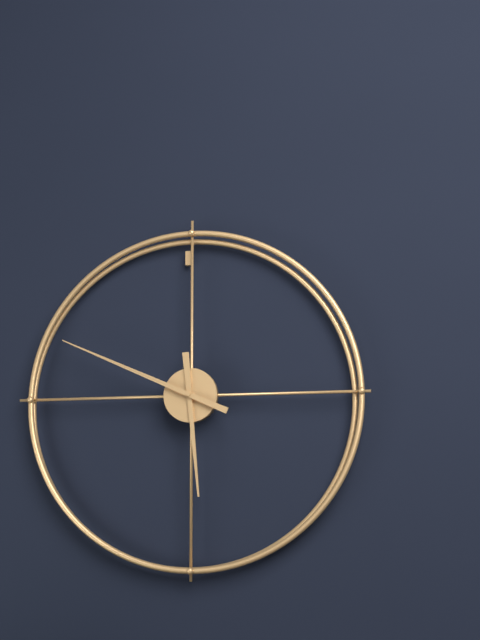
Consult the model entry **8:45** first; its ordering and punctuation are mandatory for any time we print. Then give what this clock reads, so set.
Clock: **5:49**
